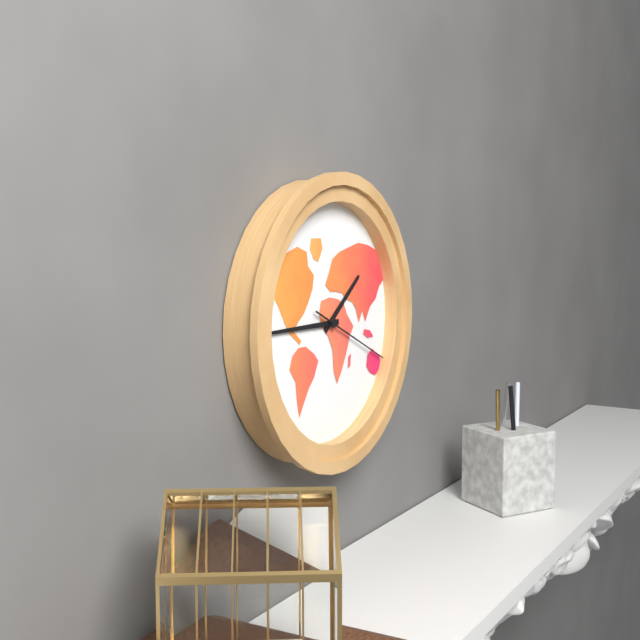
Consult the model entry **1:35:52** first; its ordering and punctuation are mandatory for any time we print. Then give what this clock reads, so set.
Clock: **1:45:19**
